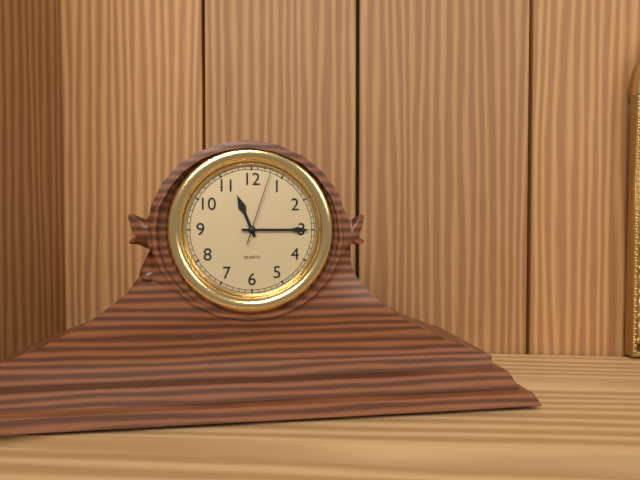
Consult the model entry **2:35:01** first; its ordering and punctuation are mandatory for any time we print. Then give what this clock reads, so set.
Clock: **11:15:03**
